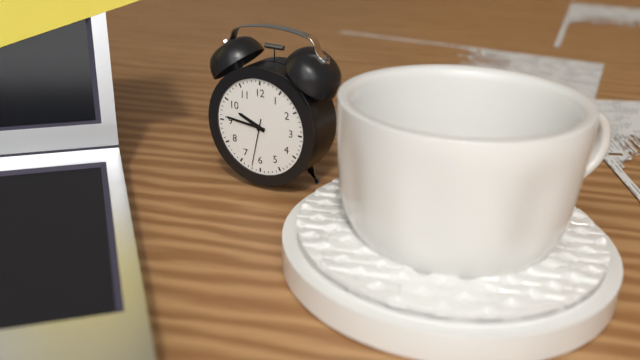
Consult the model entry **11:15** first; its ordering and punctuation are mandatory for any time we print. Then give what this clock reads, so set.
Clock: **9:46**
